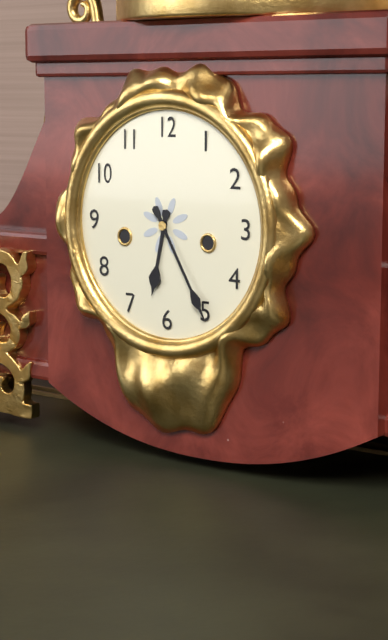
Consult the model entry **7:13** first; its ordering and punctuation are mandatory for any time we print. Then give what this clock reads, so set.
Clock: **6:25**
